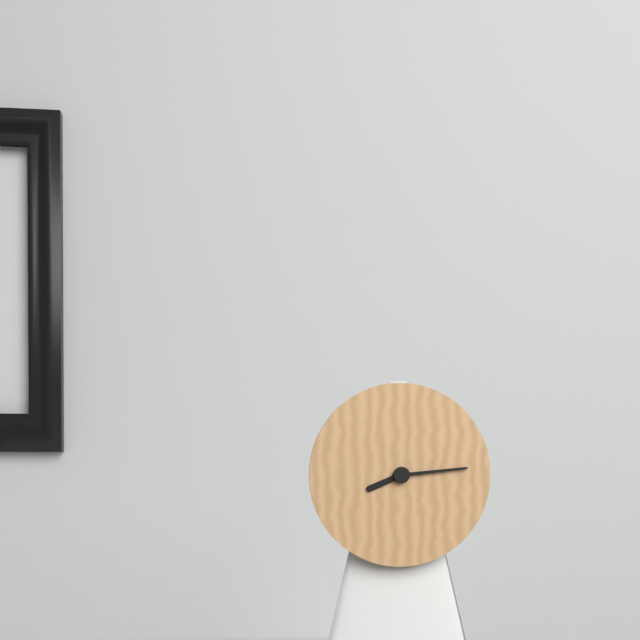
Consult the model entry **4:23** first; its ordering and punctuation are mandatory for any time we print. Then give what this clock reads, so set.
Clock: **8:14**
